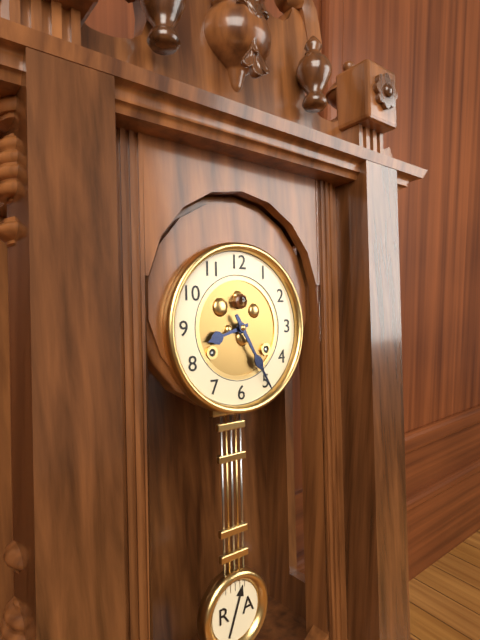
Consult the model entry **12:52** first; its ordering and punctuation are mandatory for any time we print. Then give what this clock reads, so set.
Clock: **8:25**
